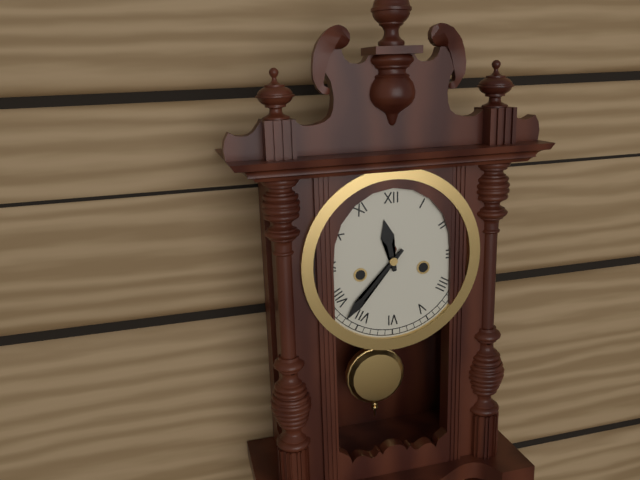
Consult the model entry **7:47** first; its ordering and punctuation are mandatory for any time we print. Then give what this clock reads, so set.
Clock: **11:37**
